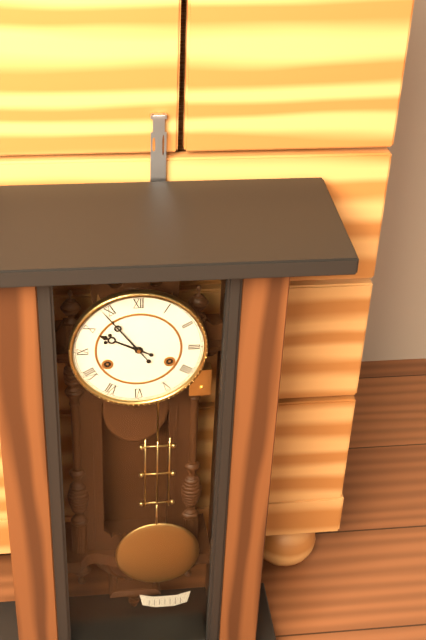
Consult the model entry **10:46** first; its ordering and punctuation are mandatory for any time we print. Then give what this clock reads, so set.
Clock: **9:54**
